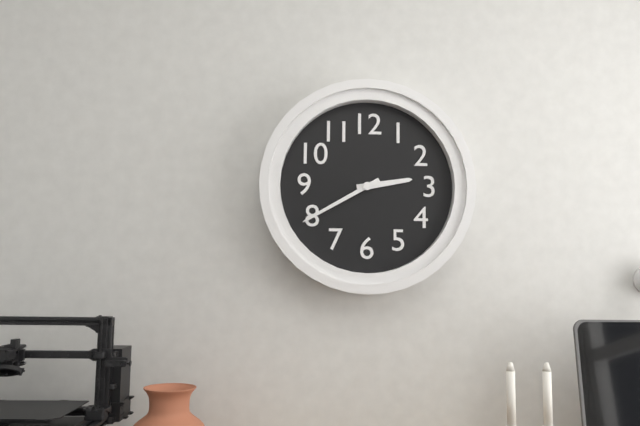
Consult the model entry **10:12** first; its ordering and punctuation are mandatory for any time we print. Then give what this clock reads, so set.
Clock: **2:40**
